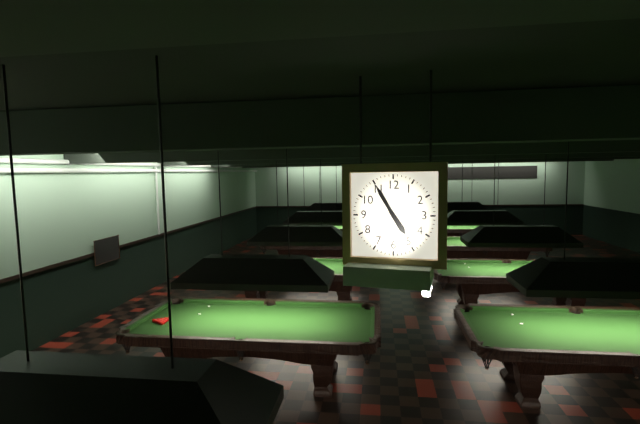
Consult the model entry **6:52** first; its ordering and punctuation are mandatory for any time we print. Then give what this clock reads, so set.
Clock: **4:55**
